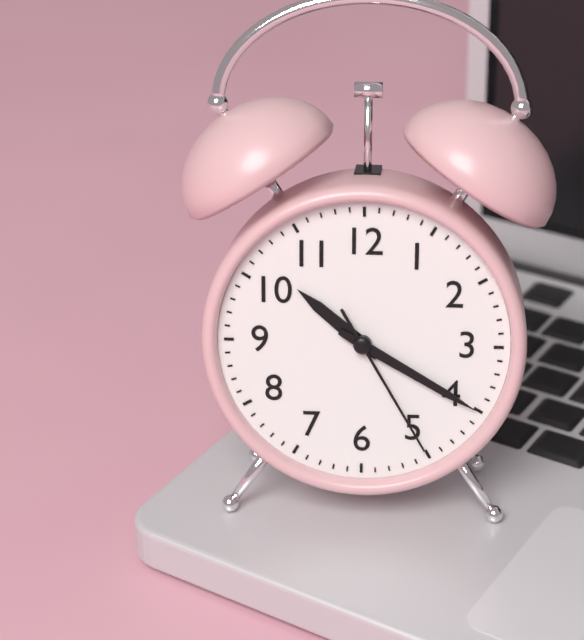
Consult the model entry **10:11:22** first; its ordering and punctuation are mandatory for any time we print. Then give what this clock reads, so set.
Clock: **10:20:25**
